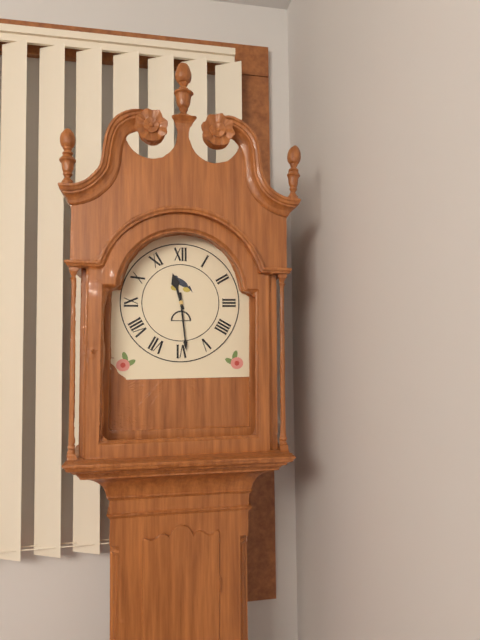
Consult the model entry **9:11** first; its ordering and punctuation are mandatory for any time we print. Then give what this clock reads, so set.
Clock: **11:29**
